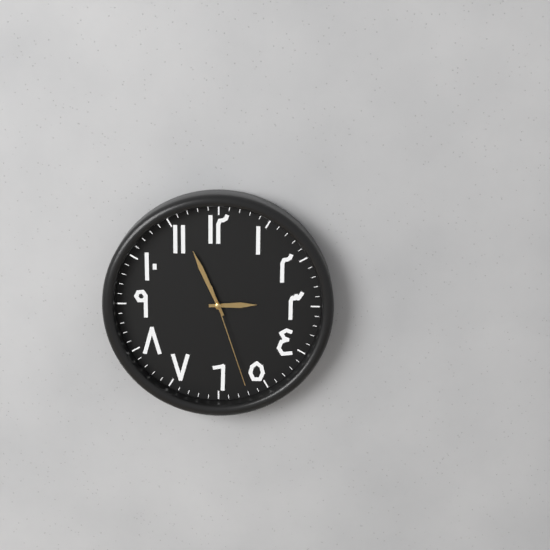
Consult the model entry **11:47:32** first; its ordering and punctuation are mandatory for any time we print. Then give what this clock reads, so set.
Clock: **2:56:27**
